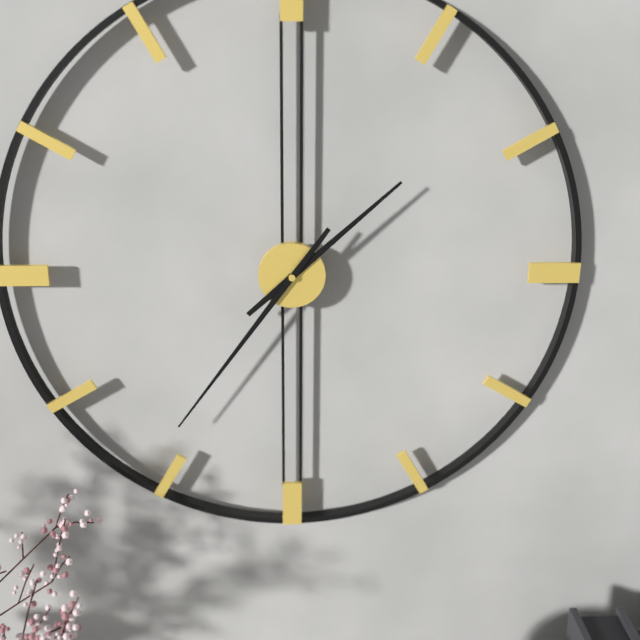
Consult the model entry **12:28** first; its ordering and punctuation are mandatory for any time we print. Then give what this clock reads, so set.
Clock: **1:36**
